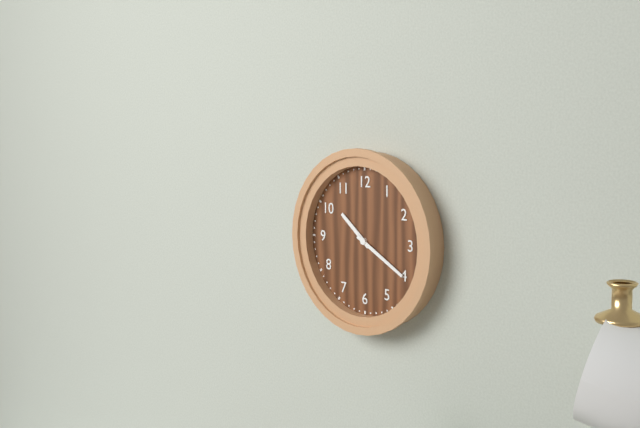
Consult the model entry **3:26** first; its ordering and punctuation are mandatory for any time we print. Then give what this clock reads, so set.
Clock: **10:20**
